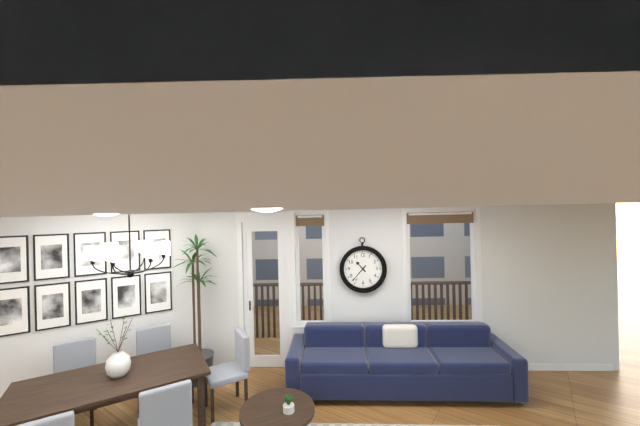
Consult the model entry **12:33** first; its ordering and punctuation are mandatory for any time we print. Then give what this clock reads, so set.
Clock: **10:37**
